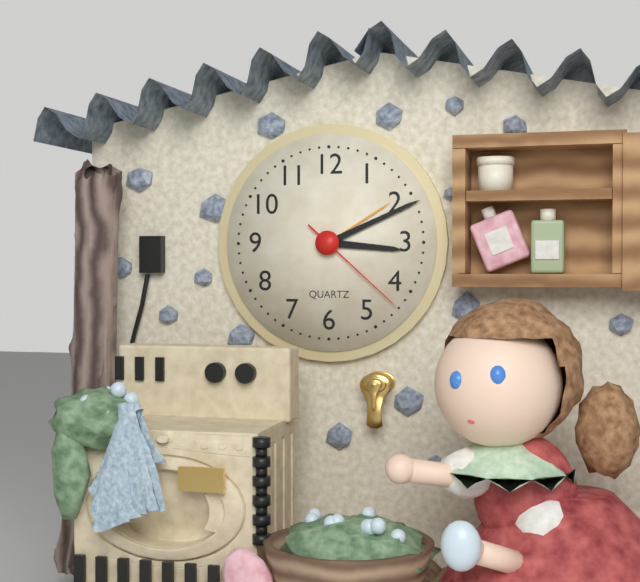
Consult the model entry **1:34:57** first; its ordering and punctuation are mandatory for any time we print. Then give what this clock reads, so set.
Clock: **3:11:22**
